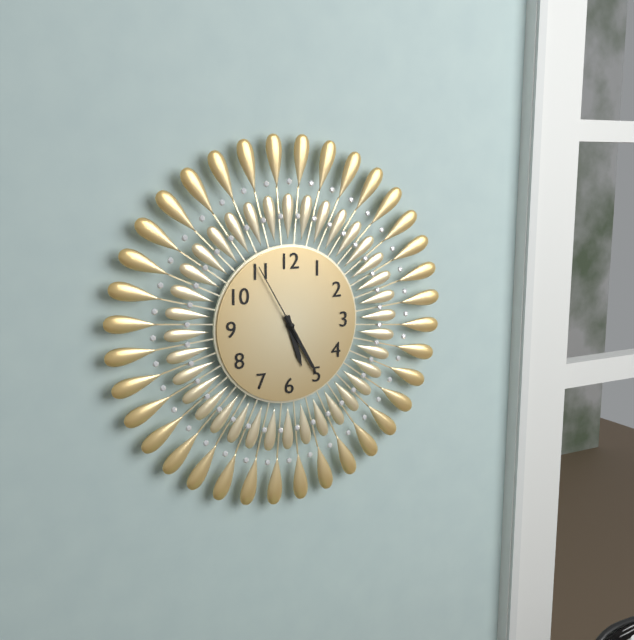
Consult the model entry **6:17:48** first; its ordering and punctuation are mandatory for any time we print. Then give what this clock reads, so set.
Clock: **5:25:55**
